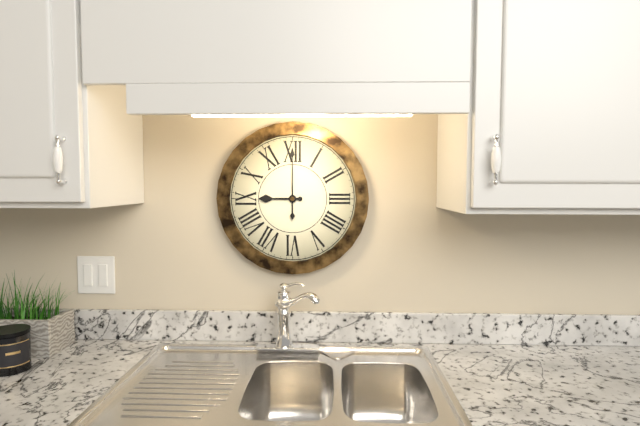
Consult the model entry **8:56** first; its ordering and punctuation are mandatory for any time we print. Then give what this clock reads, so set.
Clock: **9:00**
